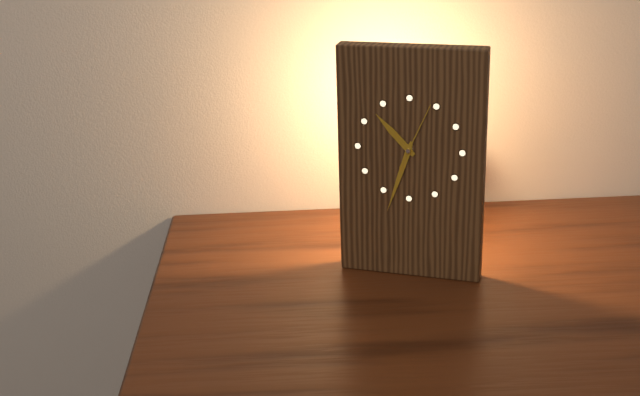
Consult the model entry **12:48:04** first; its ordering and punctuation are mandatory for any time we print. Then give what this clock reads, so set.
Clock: **10:33:04**
